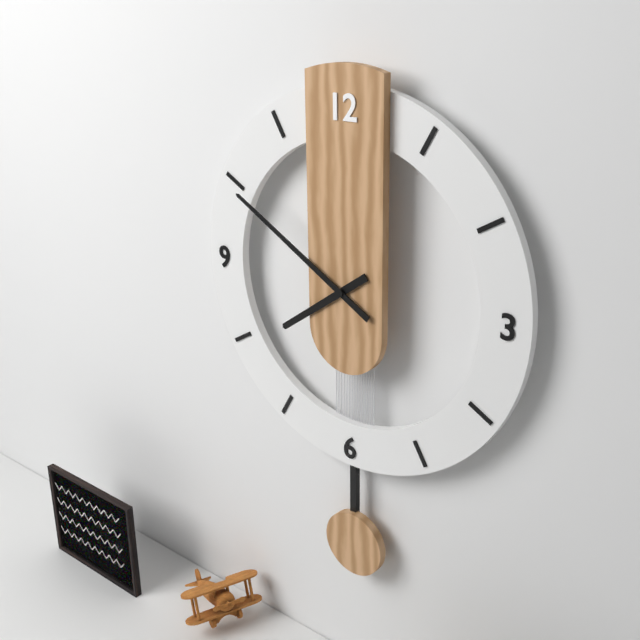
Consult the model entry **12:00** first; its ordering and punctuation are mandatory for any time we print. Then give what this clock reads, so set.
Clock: **7:50**
